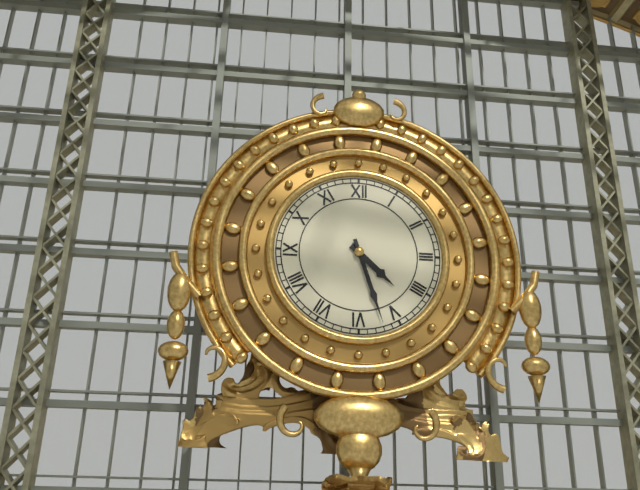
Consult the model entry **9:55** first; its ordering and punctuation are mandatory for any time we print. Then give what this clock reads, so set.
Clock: **4:27**
